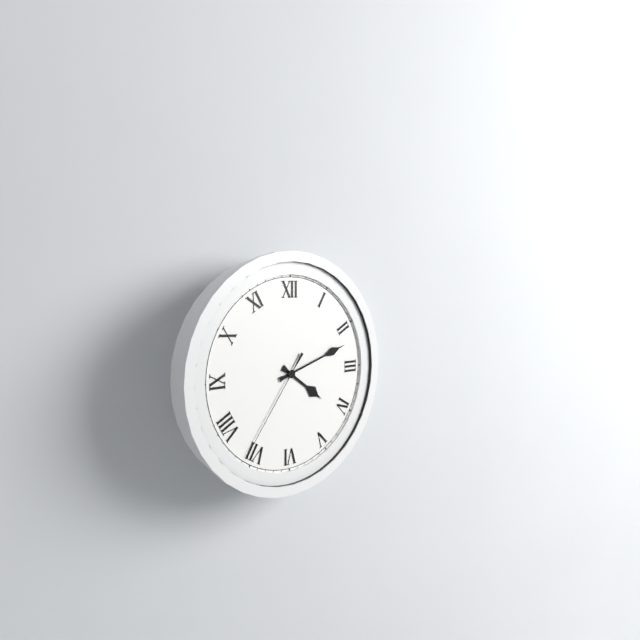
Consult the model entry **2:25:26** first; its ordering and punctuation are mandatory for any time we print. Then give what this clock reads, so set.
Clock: **4:12:36**
